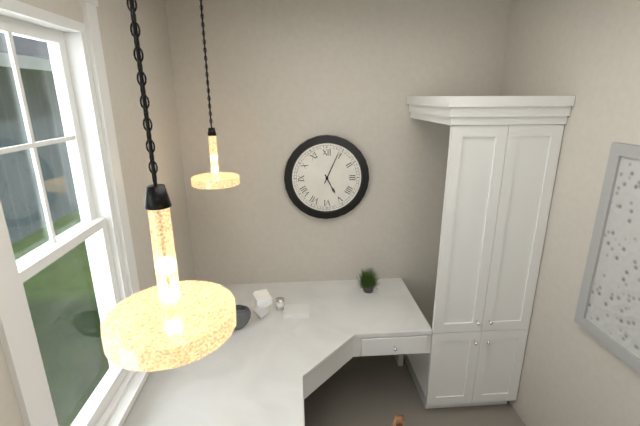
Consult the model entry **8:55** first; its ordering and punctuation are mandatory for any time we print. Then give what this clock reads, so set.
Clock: **5:04**
